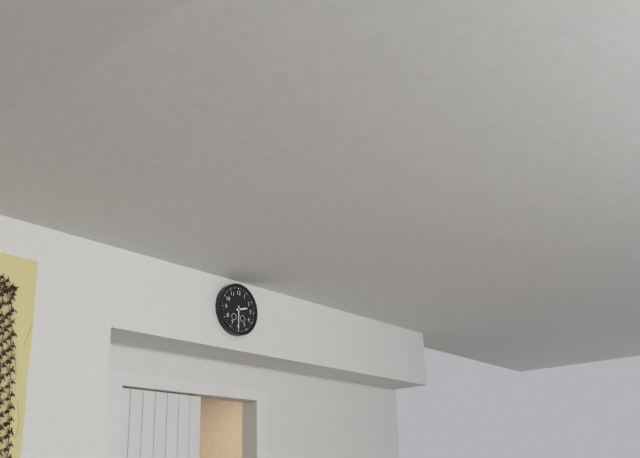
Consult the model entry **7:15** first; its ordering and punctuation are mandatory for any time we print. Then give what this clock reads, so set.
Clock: **2:30**
